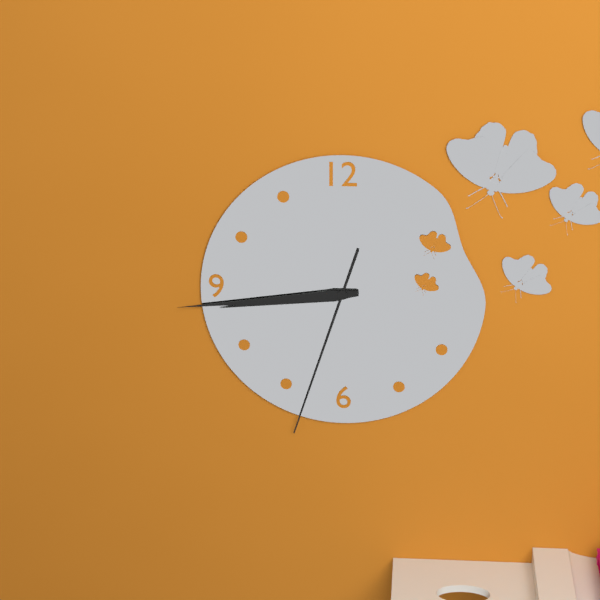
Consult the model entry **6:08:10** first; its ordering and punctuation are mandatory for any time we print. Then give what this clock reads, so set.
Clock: **8:44:33**
